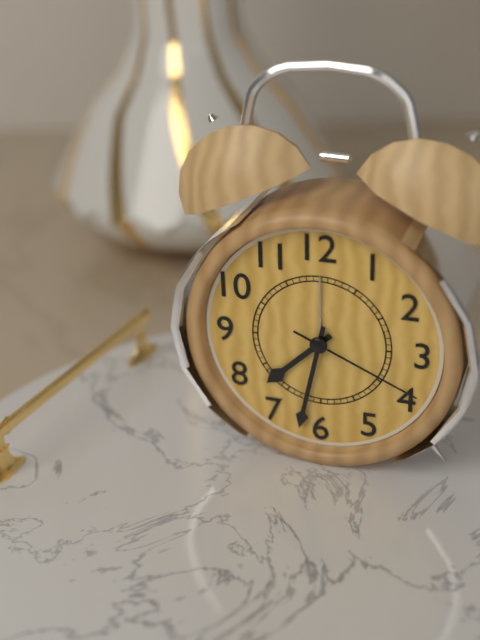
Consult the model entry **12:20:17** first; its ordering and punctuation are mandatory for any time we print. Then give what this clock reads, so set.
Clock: **7:32:19**
